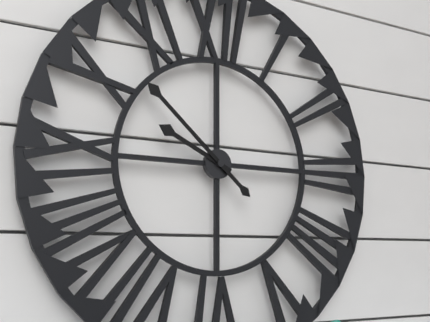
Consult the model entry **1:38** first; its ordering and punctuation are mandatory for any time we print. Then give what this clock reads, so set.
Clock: **9:52**
